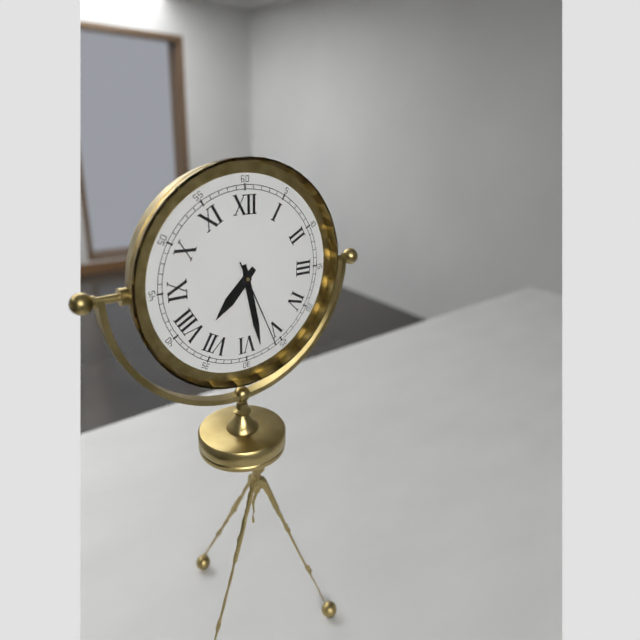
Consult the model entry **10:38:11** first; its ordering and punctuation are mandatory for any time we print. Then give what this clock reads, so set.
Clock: **7:28:26**
